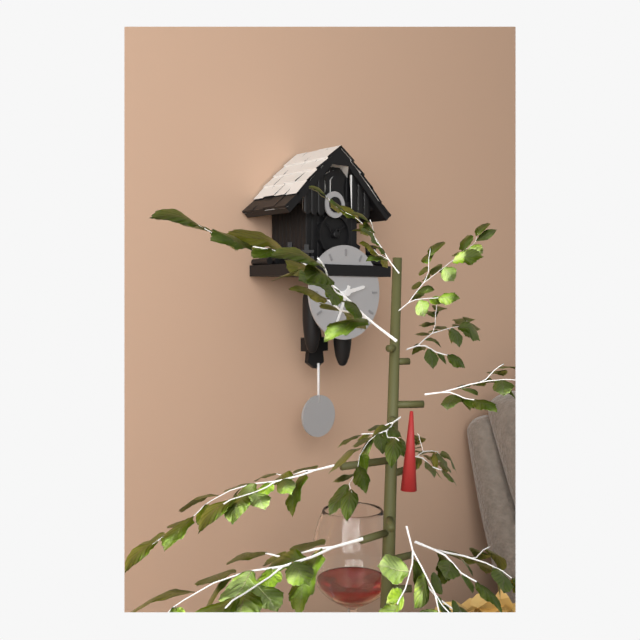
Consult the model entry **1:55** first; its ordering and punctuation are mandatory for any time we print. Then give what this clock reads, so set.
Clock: **2:34**
